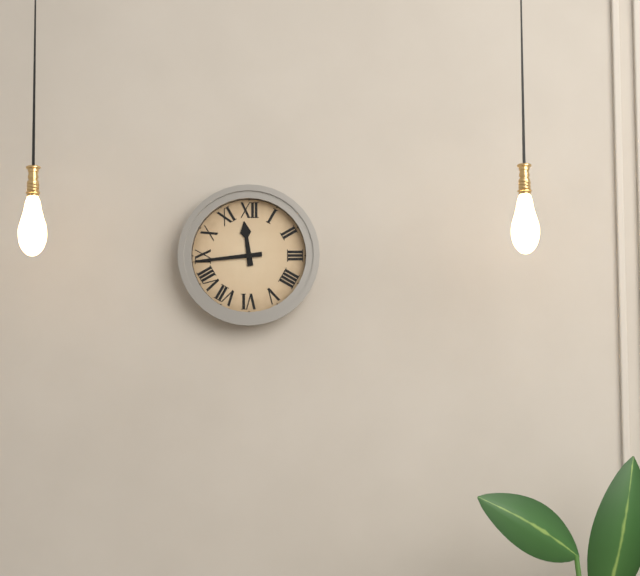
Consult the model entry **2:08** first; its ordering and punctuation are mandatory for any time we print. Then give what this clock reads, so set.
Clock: **11:44**
